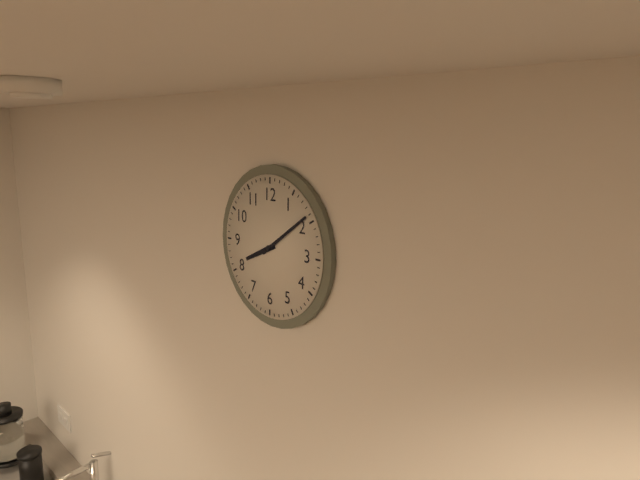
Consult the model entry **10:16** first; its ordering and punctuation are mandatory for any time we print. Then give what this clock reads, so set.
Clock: **8:09**
